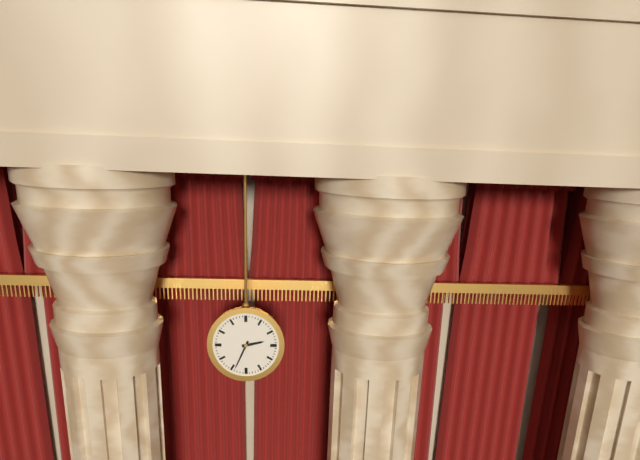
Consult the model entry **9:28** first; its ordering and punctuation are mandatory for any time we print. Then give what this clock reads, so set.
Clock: **2:34**
